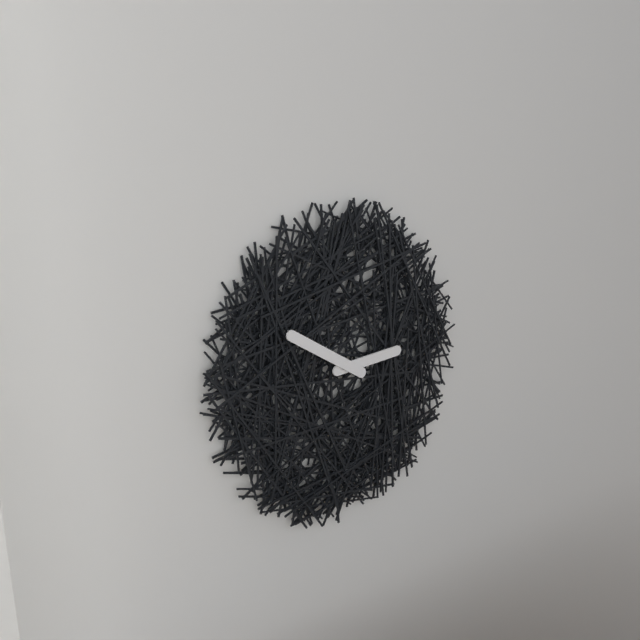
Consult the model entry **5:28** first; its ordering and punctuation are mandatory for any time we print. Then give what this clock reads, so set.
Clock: **2:50**
